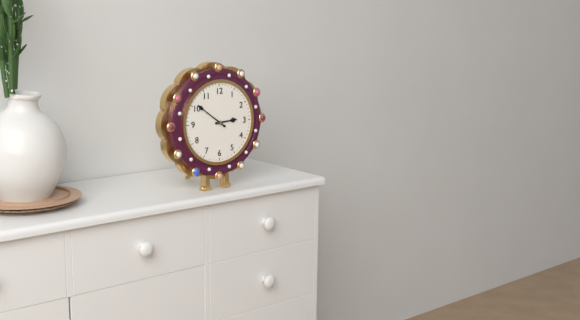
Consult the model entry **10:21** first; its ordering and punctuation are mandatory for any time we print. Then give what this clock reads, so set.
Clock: **2:51**
